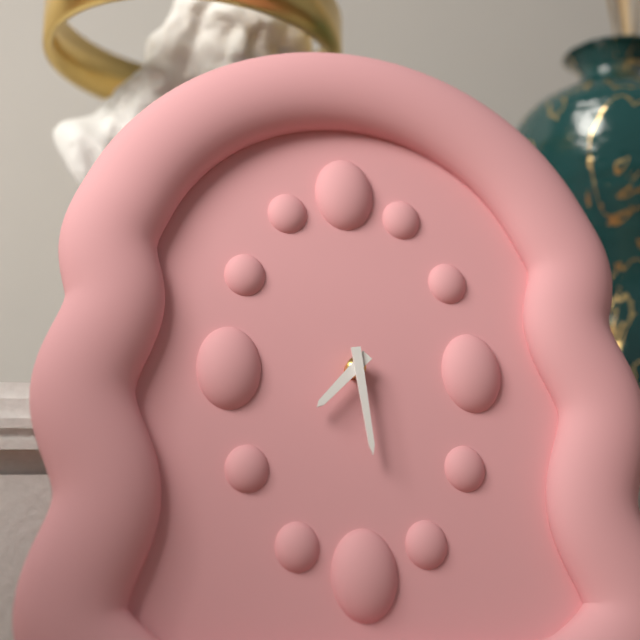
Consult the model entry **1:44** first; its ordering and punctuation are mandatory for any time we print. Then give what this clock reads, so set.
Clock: **7:29**
